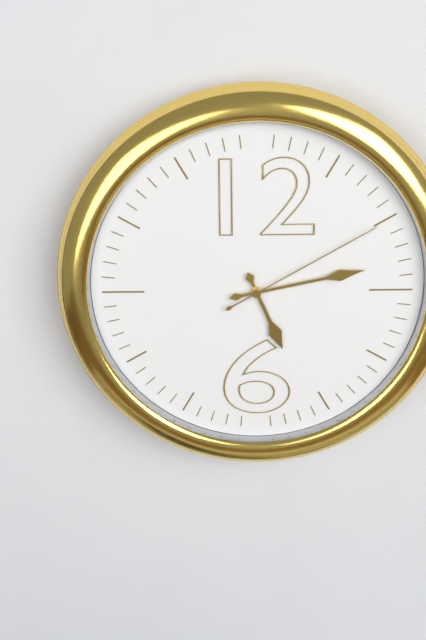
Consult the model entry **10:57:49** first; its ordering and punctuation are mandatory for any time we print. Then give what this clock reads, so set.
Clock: **5:13:10**
